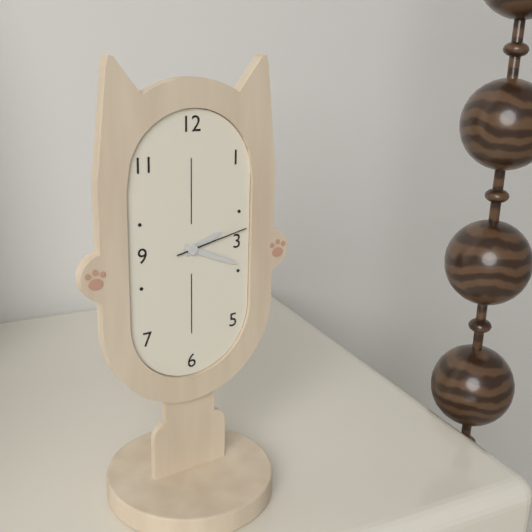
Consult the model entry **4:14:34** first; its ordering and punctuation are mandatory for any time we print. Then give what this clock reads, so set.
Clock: **2:19:13**
